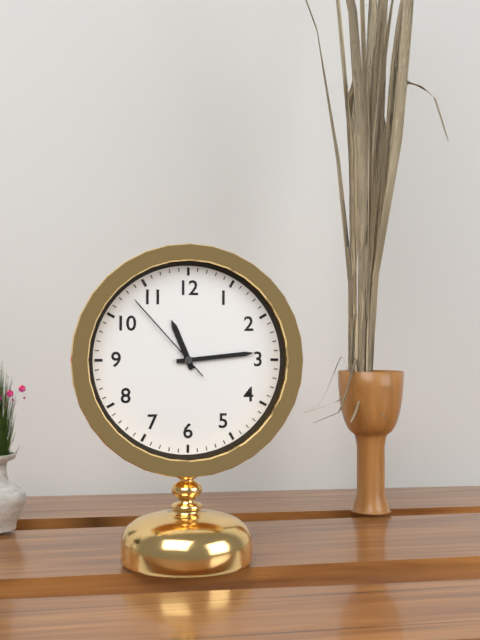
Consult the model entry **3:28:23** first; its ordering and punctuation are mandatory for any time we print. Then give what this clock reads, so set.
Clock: **11:14:53**
